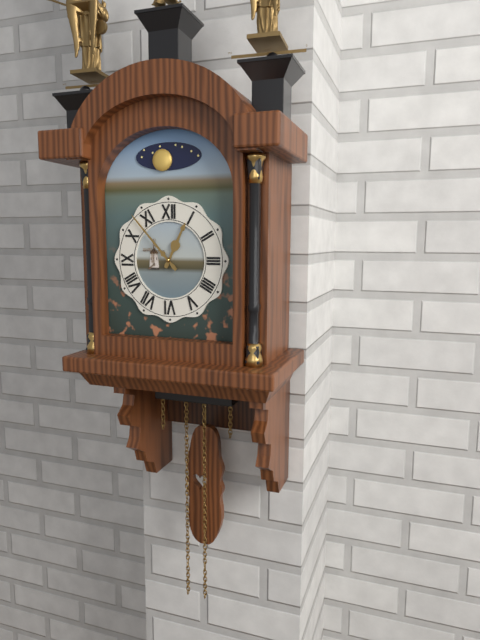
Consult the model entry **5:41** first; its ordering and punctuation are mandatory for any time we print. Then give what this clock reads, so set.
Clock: **12:53**
